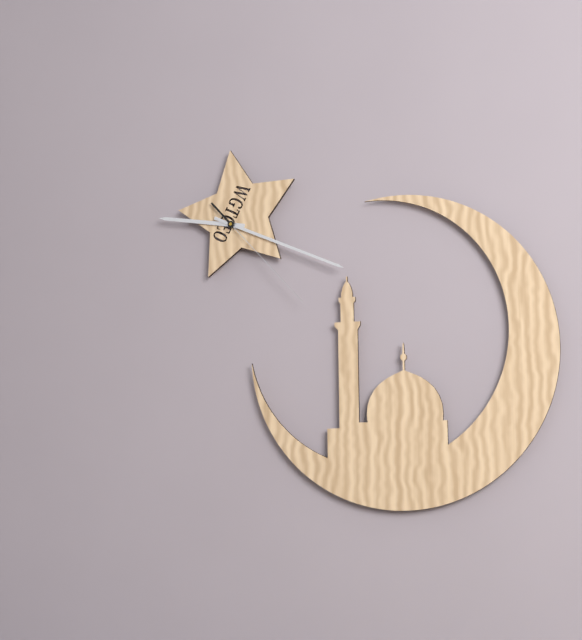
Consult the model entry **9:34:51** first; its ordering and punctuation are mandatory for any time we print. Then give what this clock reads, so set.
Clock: **9:19:23**
